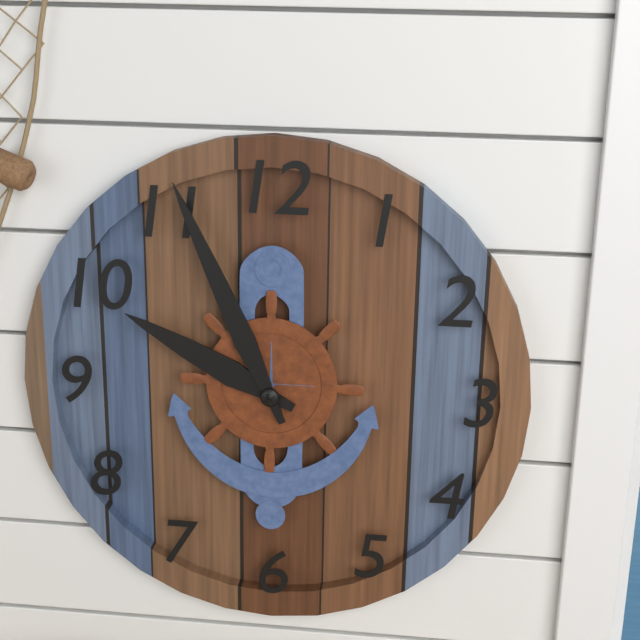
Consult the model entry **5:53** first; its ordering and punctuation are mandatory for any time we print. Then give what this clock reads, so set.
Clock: **9:56**
